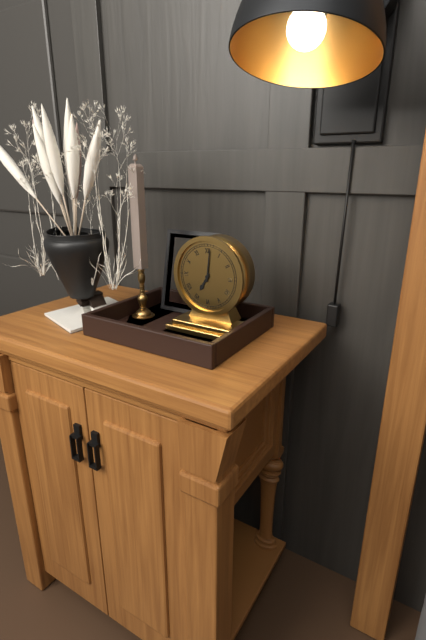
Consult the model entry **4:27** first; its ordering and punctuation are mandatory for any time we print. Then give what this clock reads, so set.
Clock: **7:01**
